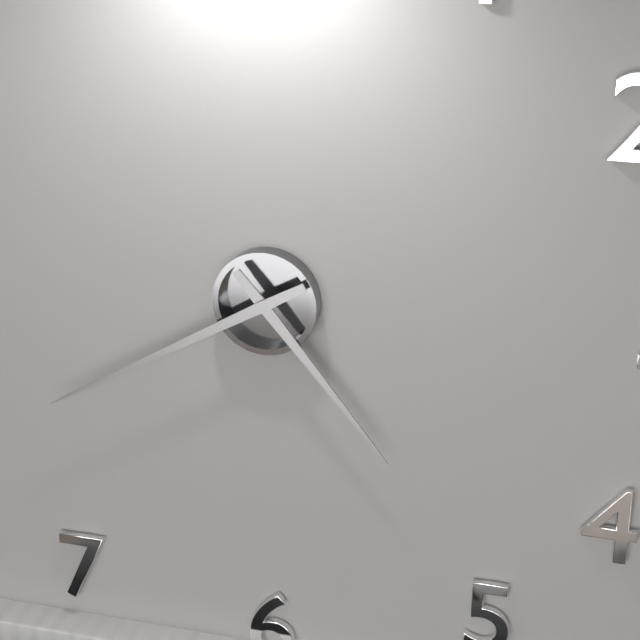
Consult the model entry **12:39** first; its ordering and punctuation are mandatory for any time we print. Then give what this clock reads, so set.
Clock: **4:40**
